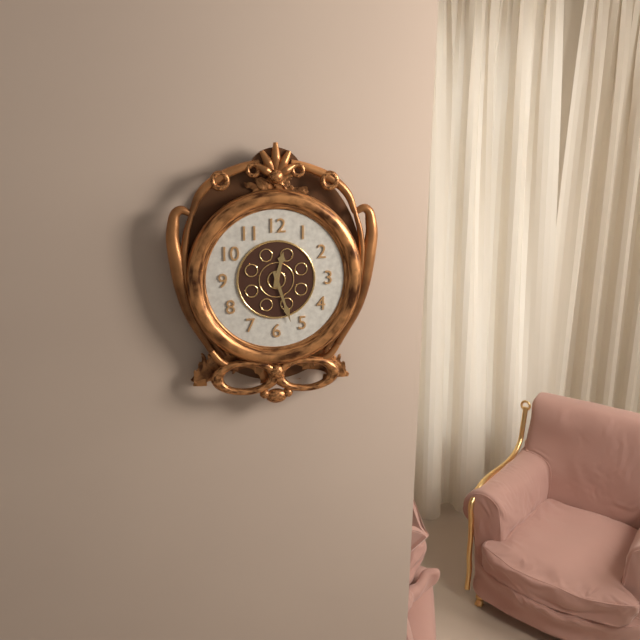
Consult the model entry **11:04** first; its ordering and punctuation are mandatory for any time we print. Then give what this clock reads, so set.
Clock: **12:27**
